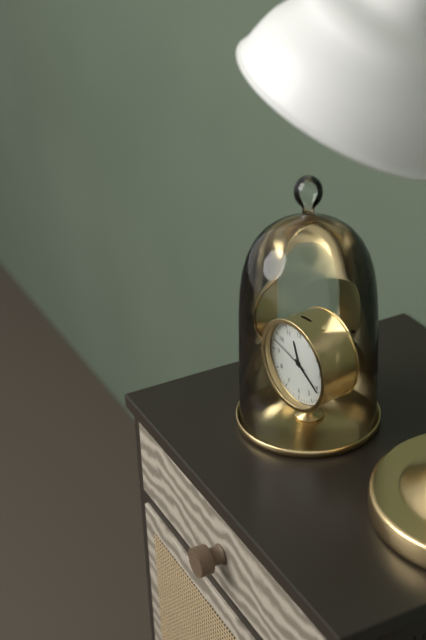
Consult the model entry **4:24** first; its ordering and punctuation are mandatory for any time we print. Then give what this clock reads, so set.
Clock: **11:21**
